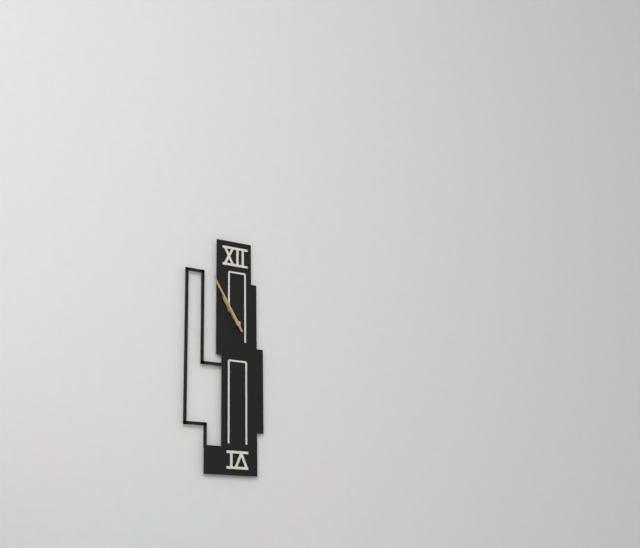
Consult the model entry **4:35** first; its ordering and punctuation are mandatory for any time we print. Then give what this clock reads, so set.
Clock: **10:55**
